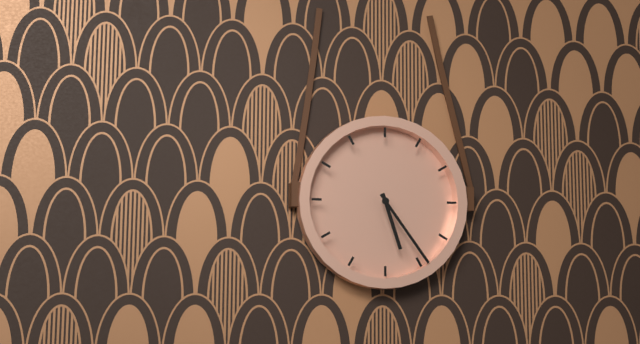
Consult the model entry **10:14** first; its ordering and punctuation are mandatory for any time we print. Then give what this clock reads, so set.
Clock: **5:24**
